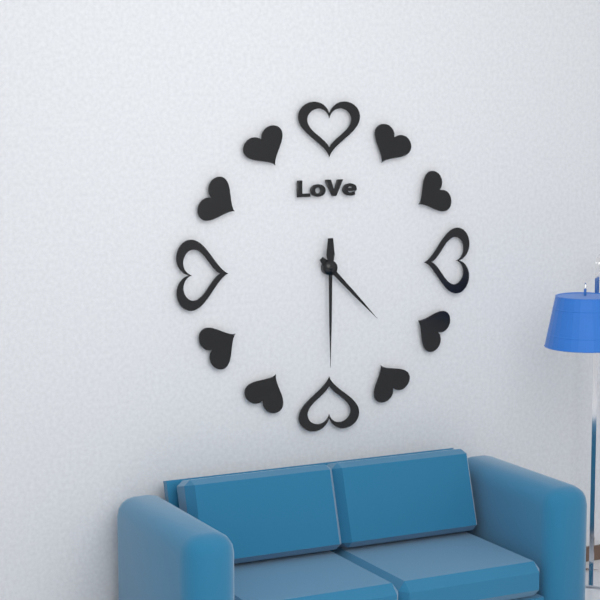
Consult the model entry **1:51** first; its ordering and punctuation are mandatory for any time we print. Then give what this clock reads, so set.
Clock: **4:30**
